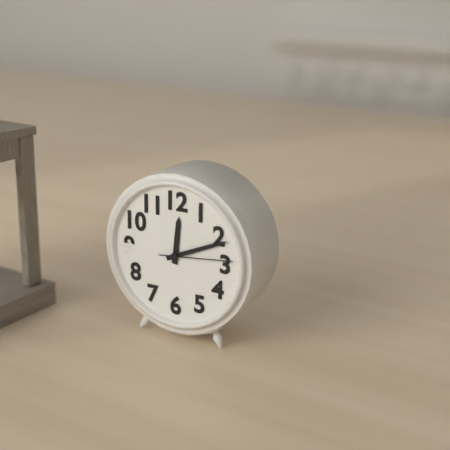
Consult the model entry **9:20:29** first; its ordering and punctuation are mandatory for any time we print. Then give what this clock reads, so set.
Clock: **12:11:14**
